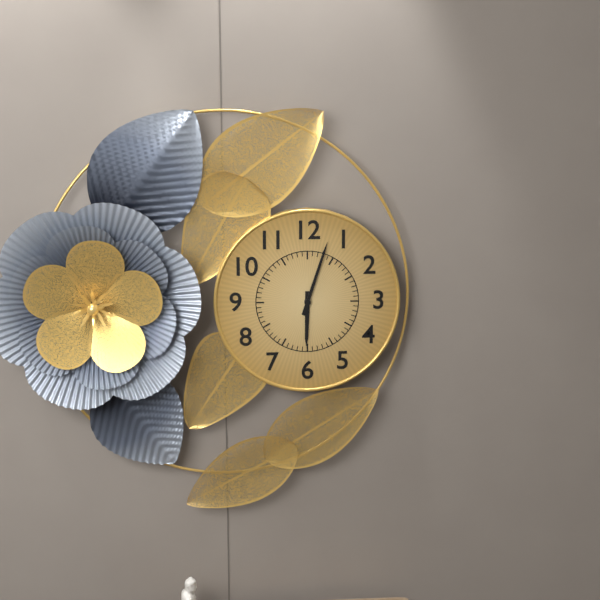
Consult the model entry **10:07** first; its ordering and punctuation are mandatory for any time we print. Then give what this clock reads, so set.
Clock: **6:03**
